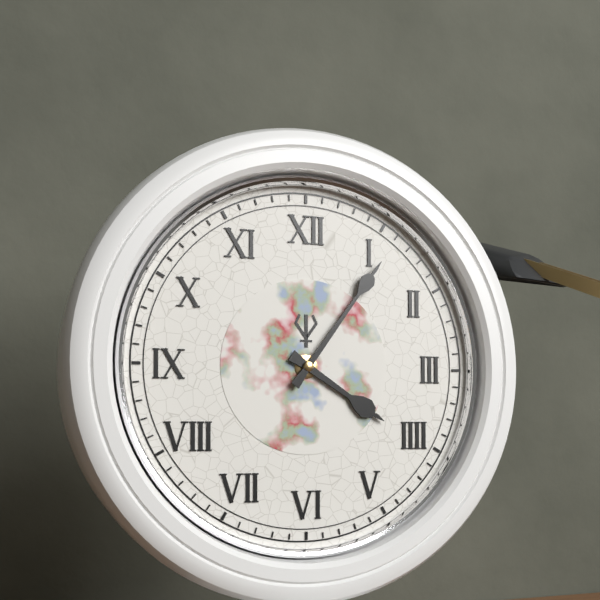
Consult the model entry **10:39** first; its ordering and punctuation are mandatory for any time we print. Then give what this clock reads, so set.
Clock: **4:06**
